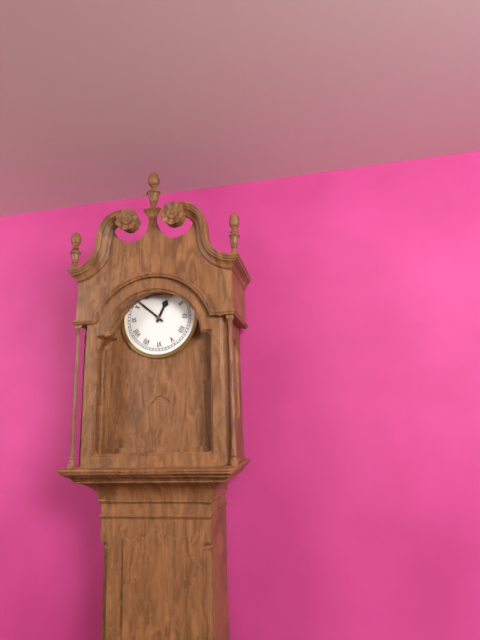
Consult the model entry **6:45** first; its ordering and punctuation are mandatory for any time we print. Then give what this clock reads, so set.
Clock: **12:52**
